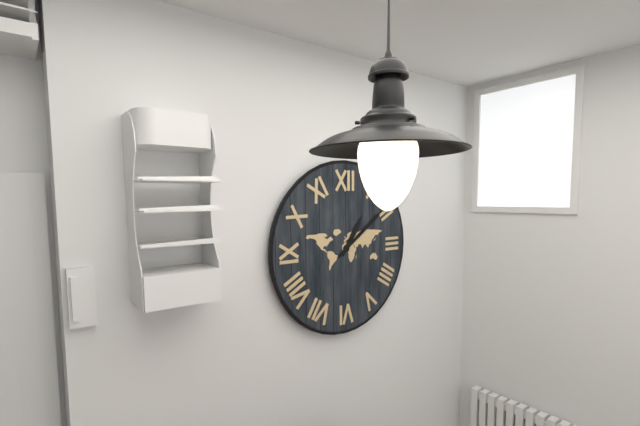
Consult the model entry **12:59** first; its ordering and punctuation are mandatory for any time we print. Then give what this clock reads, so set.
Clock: **1:09**
